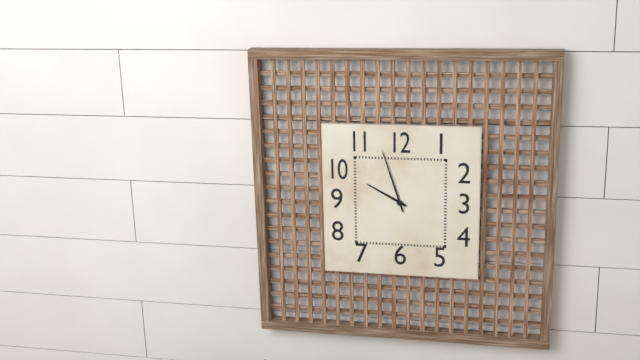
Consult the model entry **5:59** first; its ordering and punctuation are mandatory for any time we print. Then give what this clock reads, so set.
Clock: **9:57**
